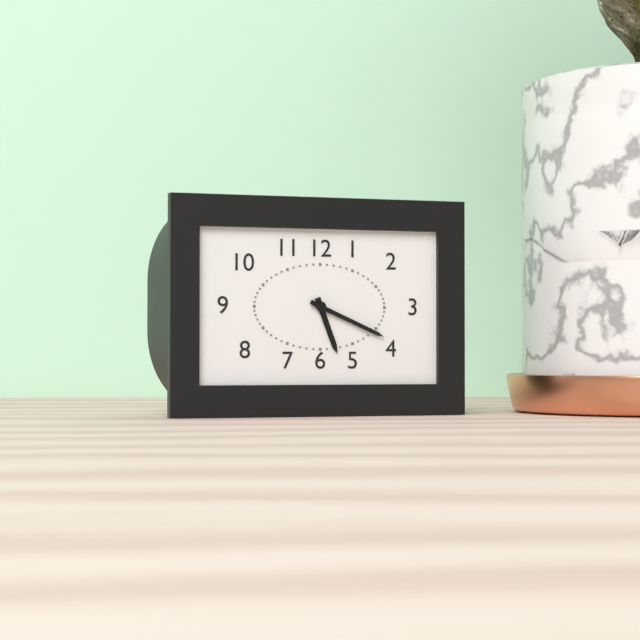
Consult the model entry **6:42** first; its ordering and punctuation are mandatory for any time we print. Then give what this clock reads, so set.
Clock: **5:19**
